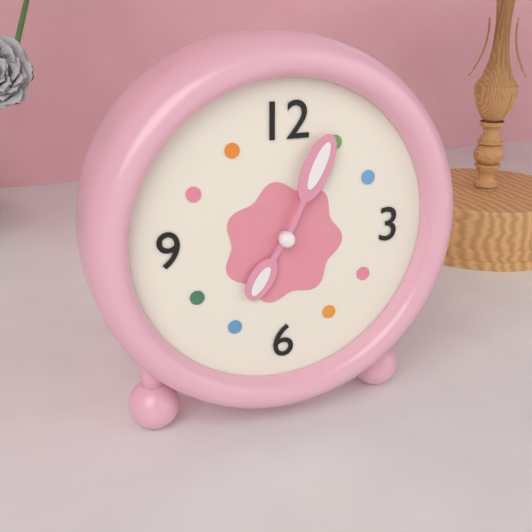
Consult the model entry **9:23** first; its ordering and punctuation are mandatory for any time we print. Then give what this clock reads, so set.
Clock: **7:04**
